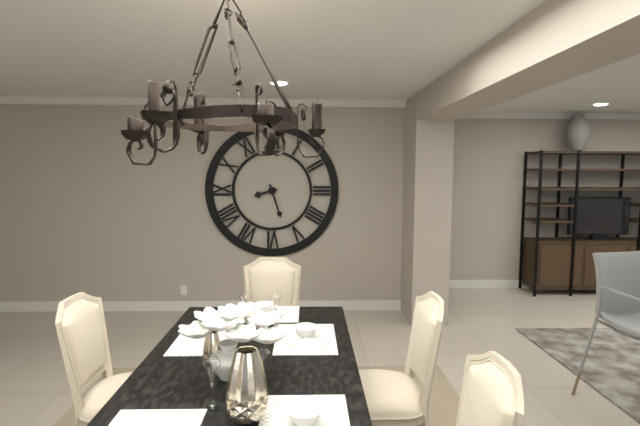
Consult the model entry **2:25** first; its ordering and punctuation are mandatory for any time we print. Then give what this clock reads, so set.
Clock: **8:27**
